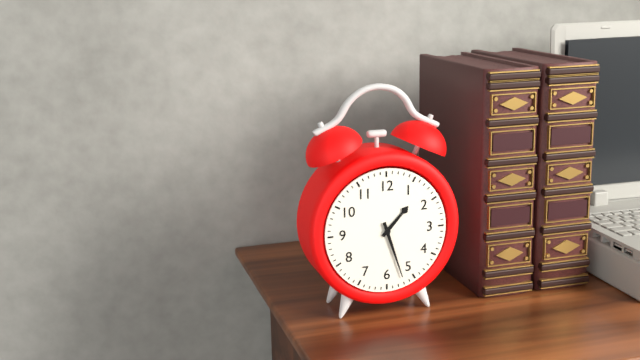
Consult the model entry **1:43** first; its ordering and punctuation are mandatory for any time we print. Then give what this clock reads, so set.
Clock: **1:27**
